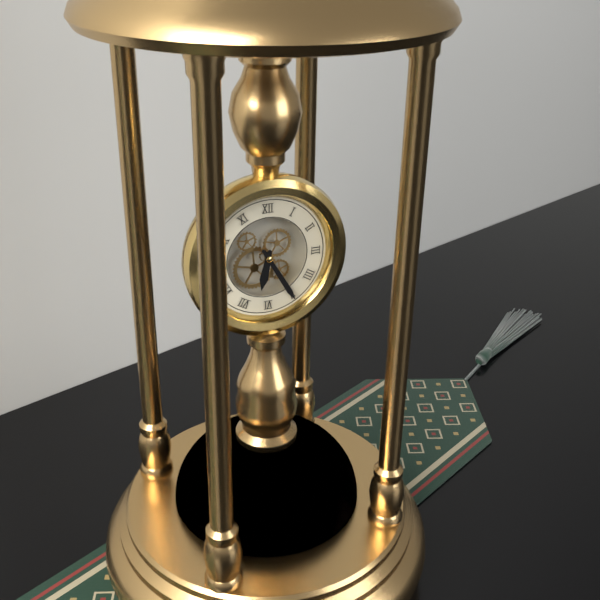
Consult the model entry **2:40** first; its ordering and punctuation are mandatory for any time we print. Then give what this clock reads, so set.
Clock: **6:25**
